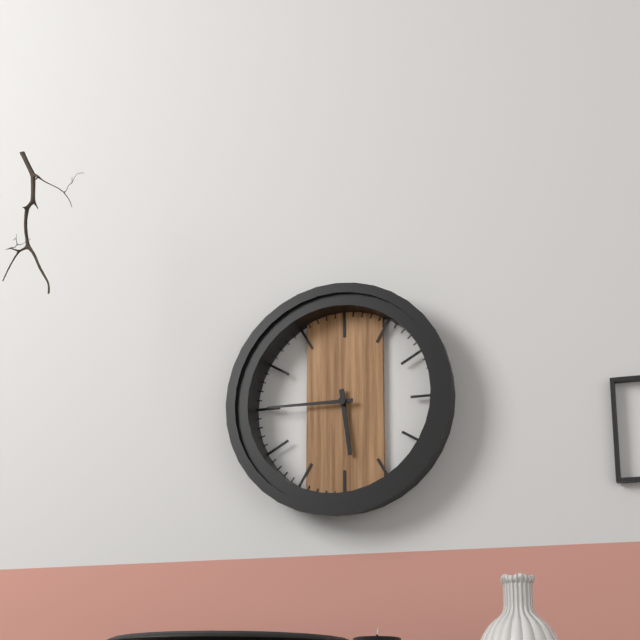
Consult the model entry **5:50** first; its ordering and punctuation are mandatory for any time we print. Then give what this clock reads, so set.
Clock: **5:45**
